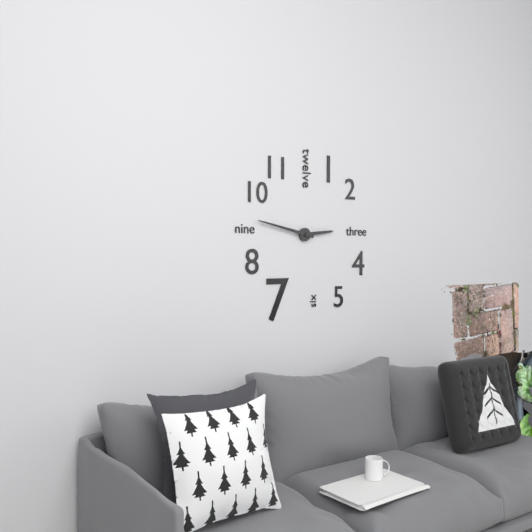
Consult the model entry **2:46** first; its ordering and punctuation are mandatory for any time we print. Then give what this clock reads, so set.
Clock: **2:47**
